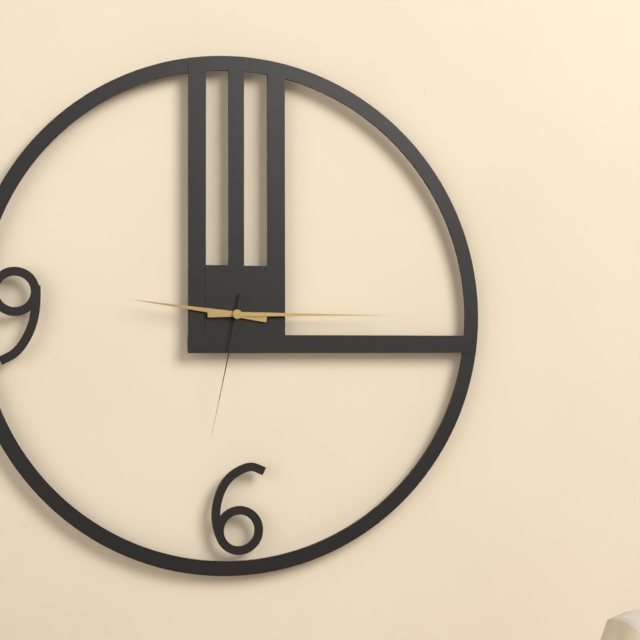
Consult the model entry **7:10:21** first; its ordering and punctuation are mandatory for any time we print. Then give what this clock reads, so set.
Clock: **9:15:32**
